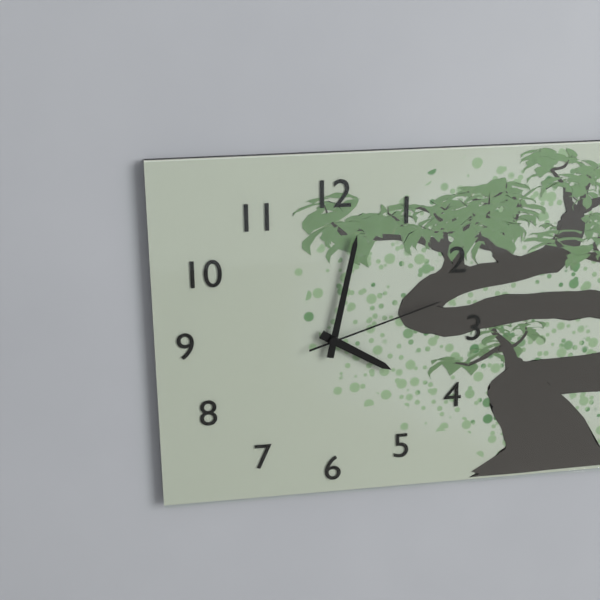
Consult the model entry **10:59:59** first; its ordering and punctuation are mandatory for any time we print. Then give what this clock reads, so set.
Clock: **4:02:12**
